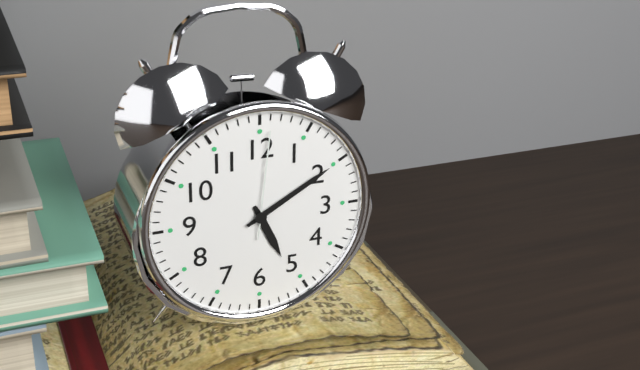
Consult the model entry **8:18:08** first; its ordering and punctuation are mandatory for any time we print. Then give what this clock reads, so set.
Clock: **5:10:01**
